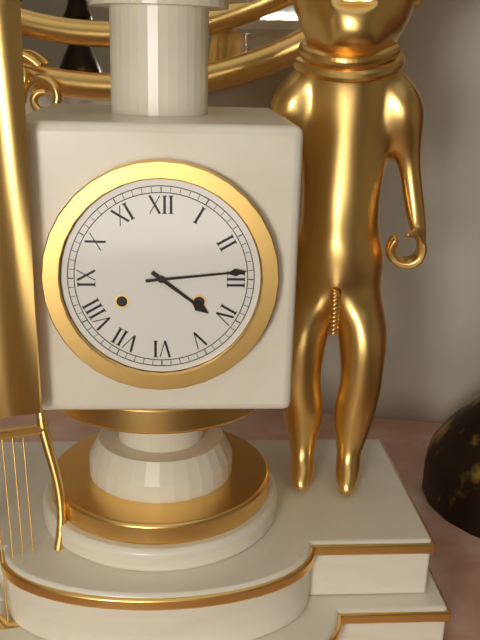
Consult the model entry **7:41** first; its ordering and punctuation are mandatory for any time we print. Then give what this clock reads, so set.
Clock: **4:14**
